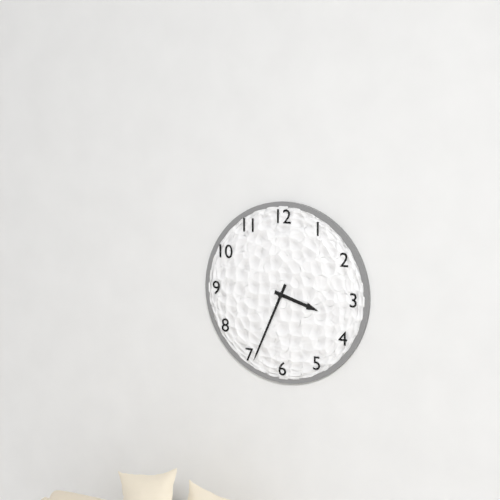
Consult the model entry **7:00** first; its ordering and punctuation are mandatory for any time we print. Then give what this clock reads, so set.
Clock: **3:34**
